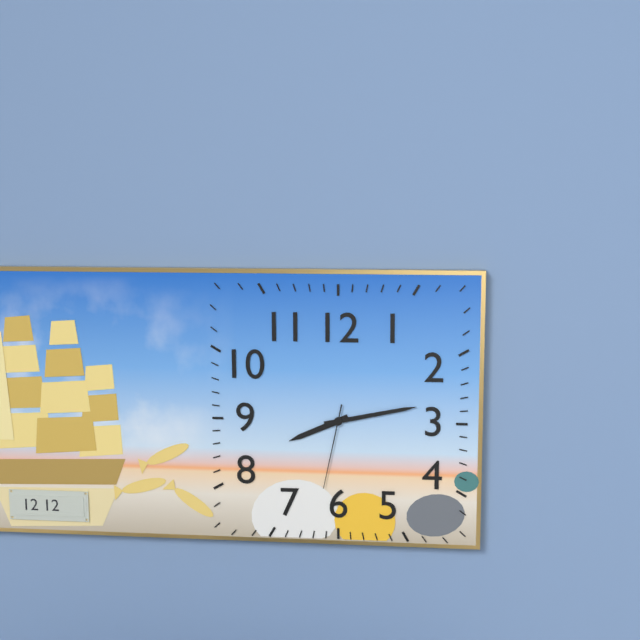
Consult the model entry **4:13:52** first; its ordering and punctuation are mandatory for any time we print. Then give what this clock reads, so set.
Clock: **8:13:32**
